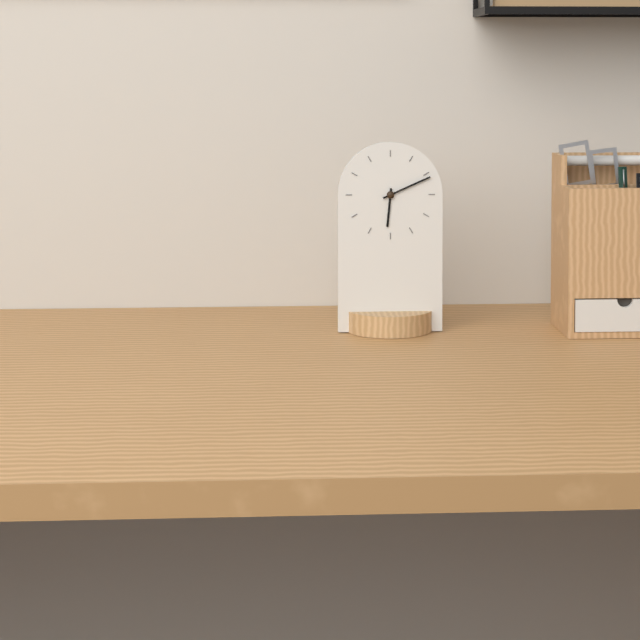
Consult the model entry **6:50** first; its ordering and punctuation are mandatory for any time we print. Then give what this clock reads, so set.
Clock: **6:11**
